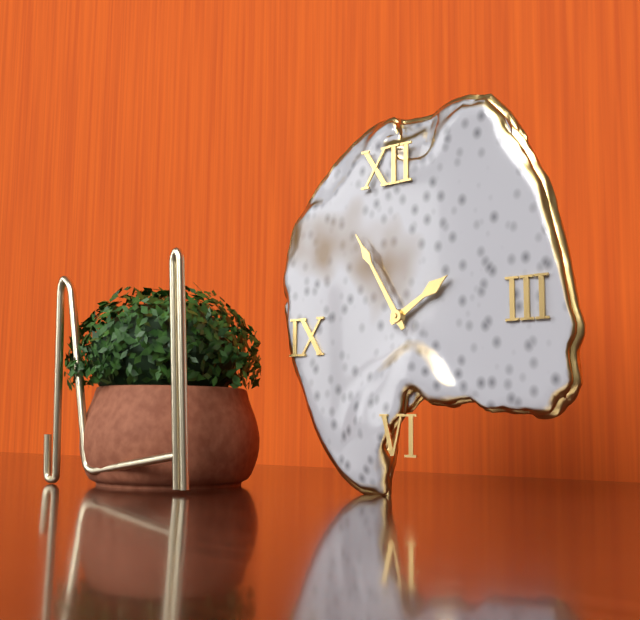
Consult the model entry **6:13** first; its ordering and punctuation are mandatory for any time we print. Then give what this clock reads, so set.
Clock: **1:55**
